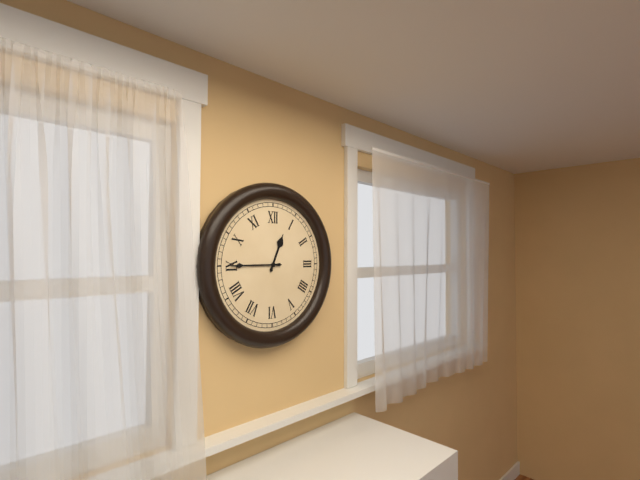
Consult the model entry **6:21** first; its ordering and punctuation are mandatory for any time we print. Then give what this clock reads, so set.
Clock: **12:45**
